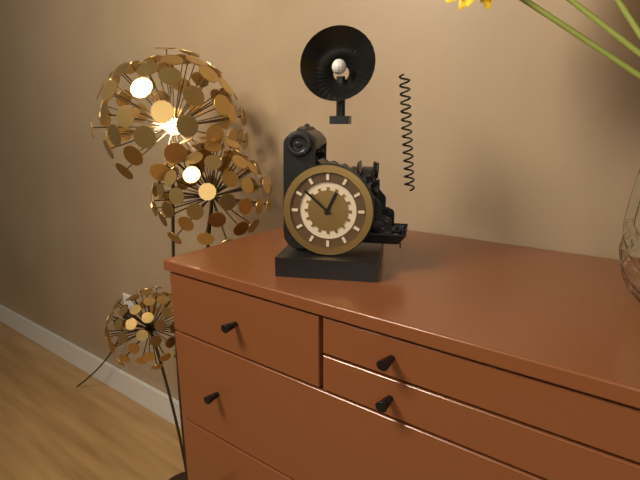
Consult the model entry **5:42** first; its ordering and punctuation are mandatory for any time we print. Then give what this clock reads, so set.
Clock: **12:52**
